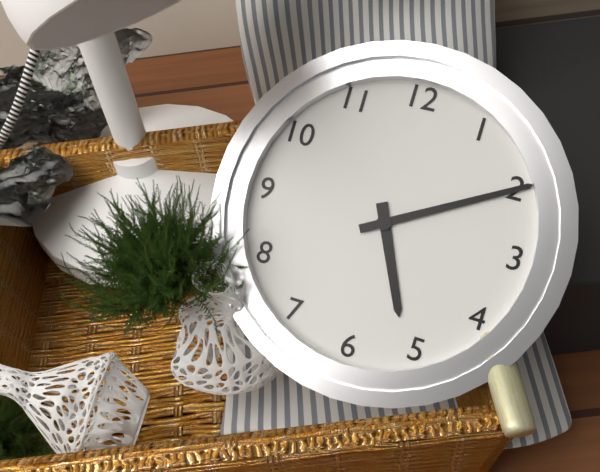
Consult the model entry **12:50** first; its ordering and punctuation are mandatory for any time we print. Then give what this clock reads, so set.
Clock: **5:10**
